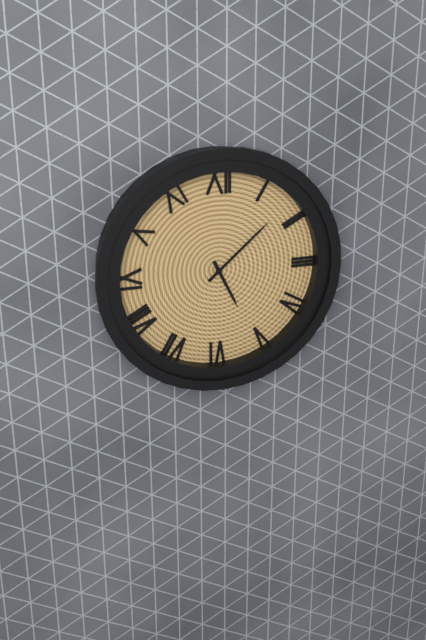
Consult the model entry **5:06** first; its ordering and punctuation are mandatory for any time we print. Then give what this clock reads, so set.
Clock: **5:08**
